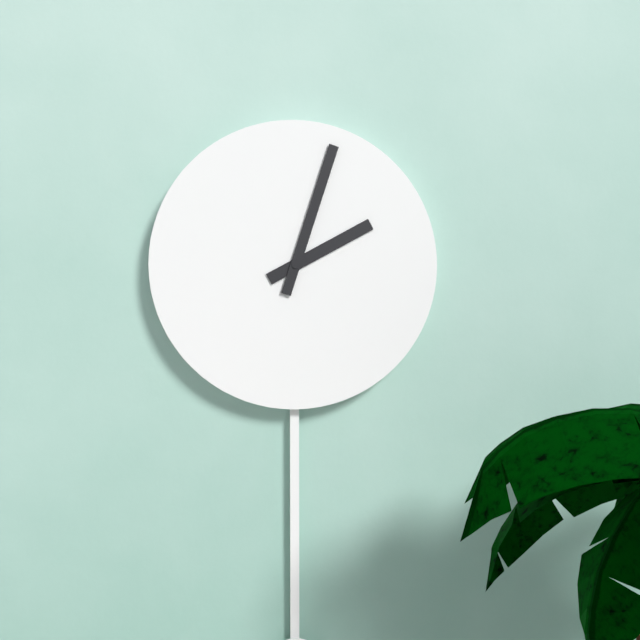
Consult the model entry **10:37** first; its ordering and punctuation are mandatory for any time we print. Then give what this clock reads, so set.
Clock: **2:03**
